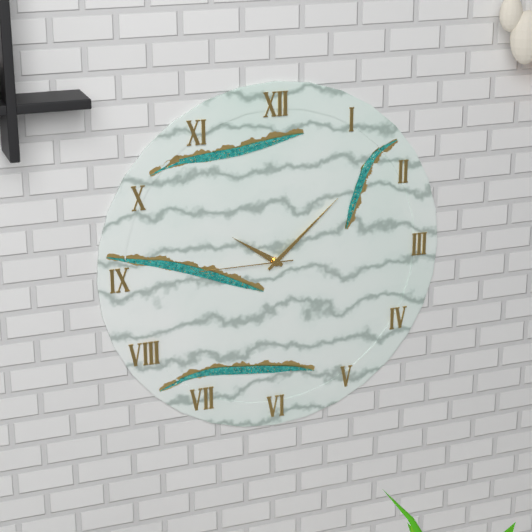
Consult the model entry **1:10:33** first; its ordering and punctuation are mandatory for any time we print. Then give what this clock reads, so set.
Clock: **10:08:45**
